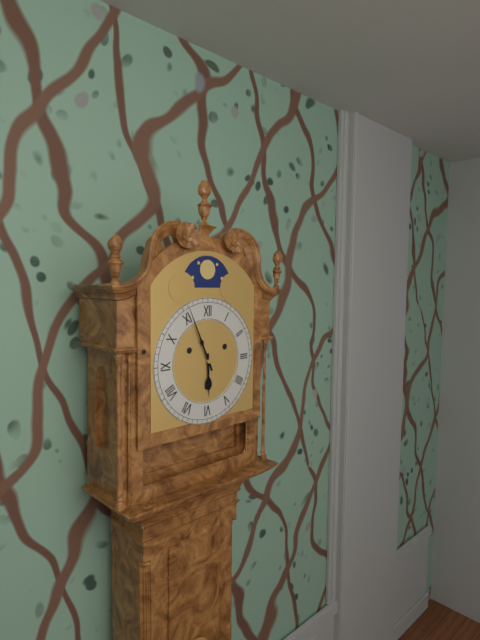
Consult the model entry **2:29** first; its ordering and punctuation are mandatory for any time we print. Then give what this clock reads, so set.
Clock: **5:56**
